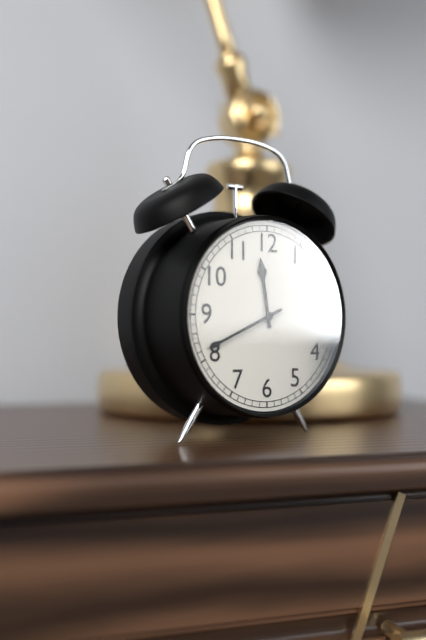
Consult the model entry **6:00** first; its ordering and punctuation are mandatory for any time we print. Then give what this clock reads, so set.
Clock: **11:41**
